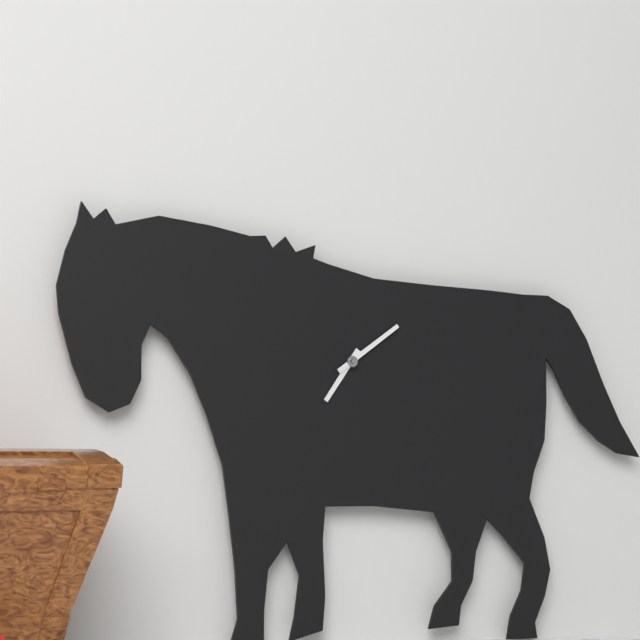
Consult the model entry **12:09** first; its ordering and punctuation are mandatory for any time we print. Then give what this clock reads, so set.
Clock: **7:09**
